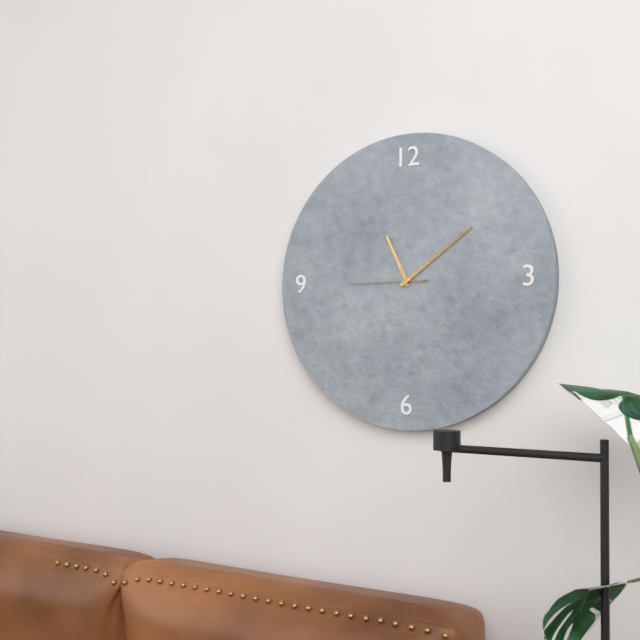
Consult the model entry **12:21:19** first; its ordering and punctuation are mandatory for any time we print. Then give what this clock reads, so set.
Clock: **11:09:45**
